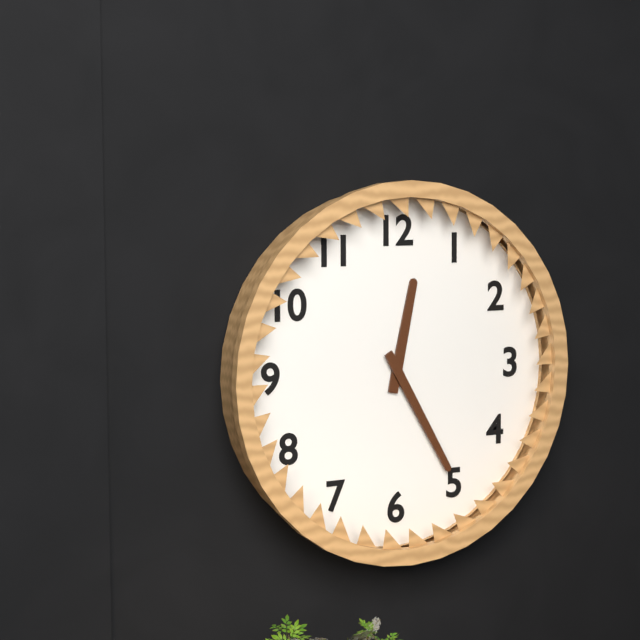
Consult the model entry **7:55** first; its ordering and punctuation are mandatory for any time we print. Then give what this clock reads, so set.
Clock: **12:25**
